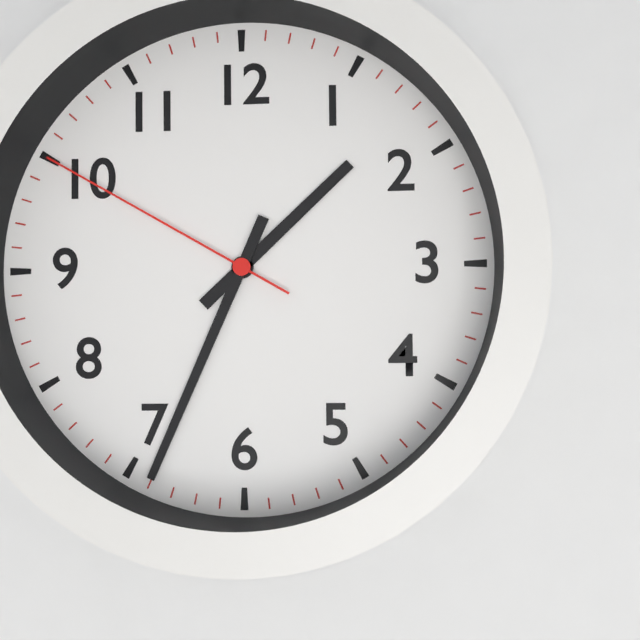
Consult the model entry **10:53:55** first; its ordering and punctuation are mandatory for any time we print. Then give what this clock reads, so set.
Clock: **1:34:50**
